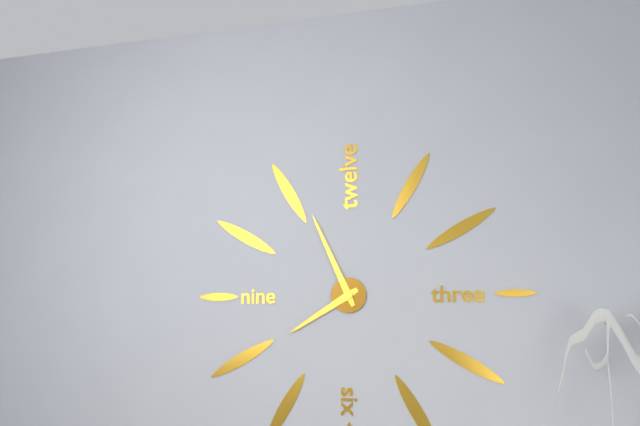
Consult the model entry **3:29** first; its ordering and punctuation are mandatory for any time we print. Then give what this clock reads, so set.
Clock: **7:56**
